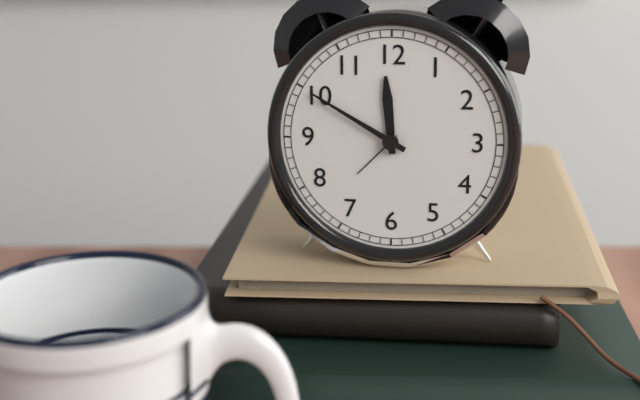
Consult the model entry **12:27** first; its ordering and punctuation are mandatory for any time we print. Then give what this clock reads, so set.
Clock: **11:50**
